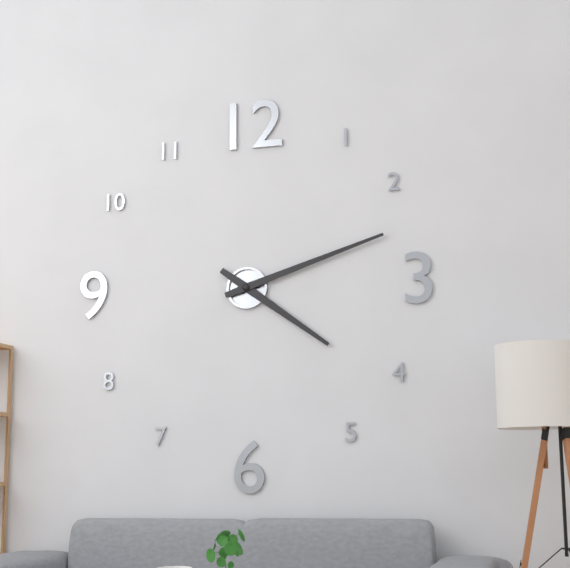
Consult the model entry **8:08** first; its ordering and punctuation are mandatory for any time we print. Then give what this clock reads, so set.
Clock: **4:12**
